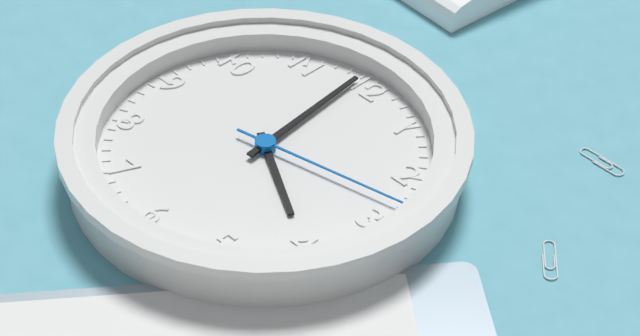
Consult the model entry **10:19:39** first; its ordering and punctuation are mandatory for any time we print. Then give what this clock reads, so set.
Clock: **3:59:13**
